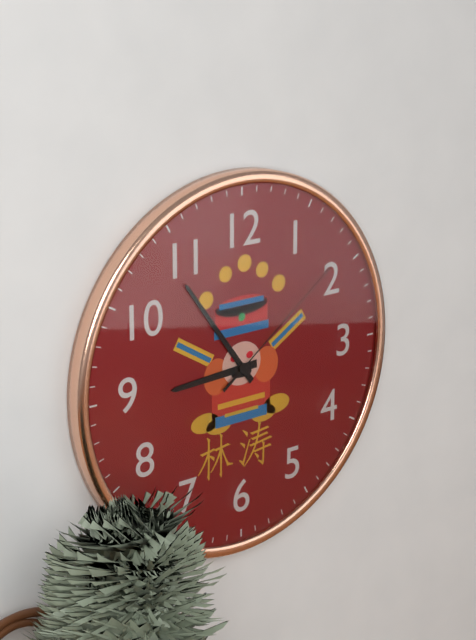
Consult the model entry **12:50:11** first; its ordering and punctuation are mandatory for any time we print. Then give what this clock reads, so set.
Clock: **8:54:09**
